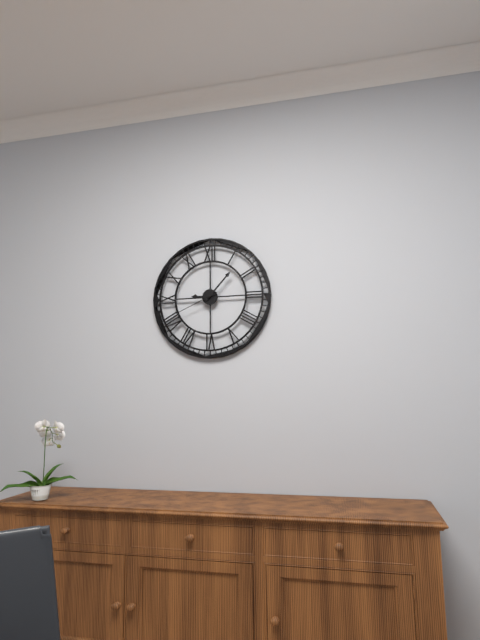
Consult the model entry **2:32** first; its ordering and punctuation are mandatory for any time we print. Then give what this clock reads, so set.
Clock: **9:07**
